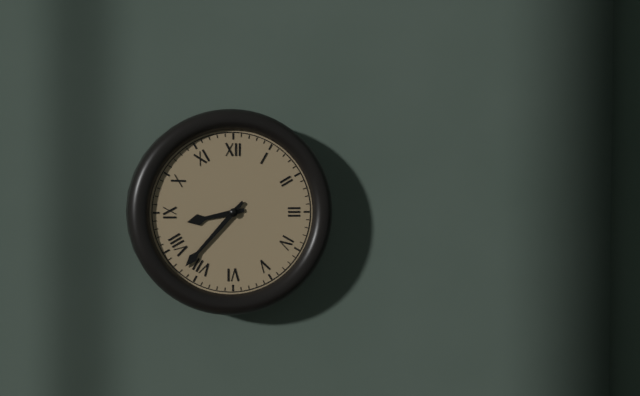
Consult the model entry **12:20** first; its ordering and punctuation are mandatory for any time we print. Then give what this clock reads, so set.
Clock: **8:37**
